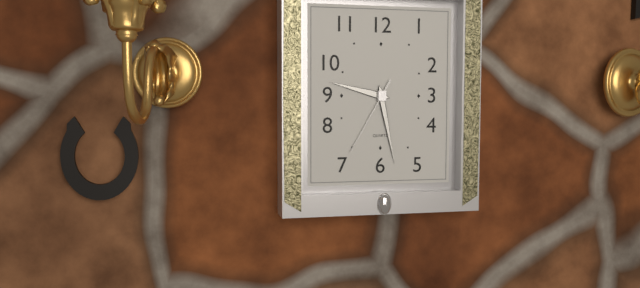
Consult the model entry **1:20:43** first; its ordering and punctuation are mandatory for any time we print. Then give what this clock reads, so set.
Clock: **9:28:35**
